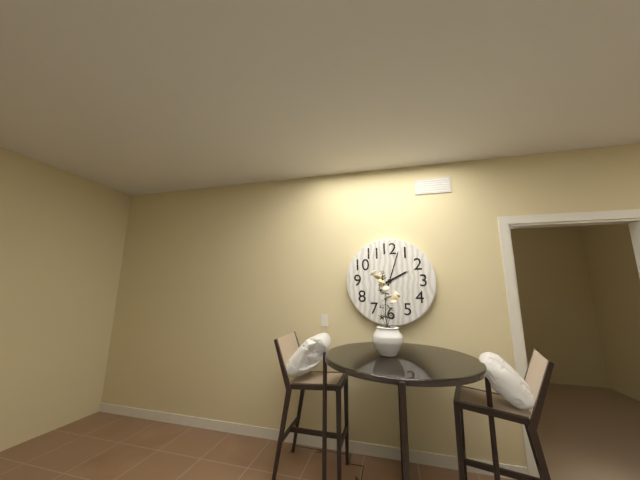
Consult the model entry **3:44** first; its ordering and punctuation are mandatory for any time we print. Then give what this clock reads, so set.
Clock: **2:03**
